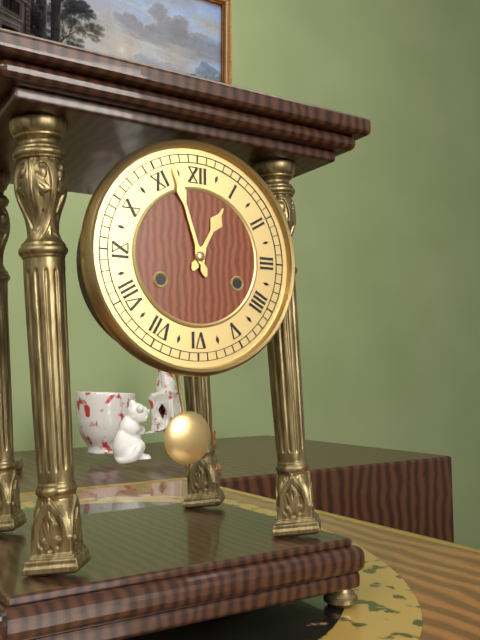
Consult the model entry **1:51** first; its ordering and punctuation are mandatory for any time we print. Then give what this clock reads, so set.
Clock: **12:57**
